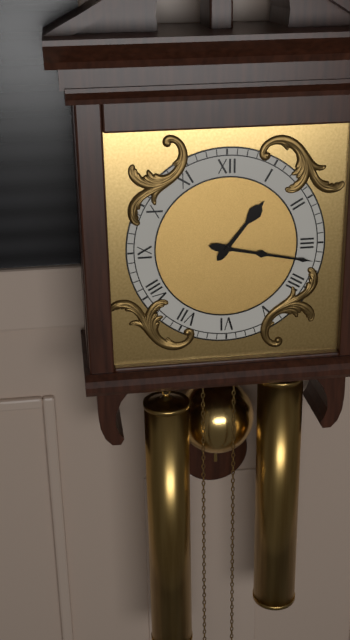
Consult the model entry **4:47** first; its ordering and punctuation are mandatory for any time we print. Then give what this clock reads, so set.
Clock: **1:17**
